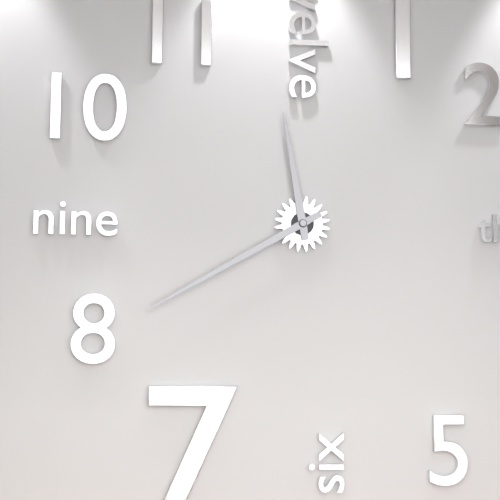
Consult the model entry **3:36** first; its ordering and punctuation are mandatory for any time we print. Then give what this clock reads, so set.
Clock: **11:40**
